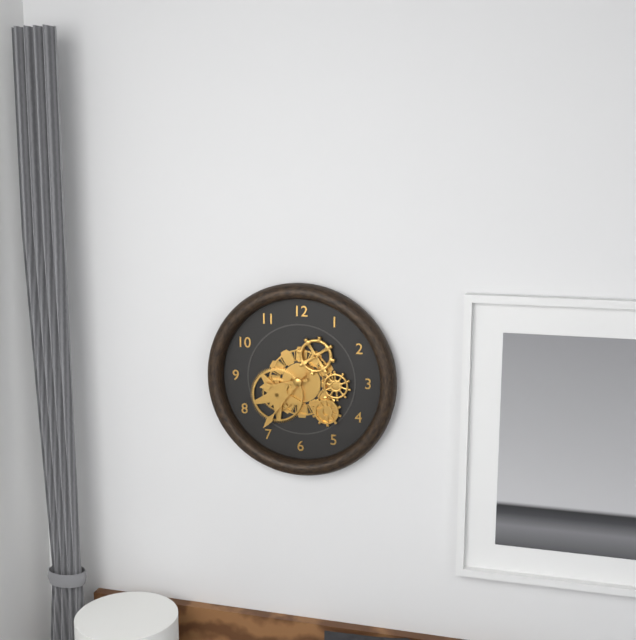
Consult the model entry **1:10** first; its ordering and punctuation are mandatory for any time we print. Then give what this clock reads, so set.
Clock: **8:36**
